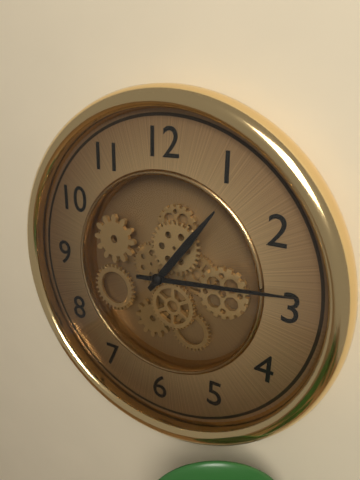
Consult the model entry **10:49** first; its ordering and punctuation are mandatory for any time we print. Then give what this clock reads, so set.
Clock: **1:14**
